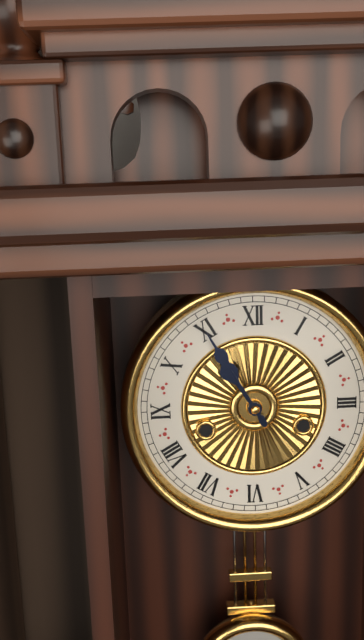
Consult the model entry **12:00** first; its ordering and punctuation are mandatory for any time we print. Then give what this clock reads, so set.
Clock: **10:55**
